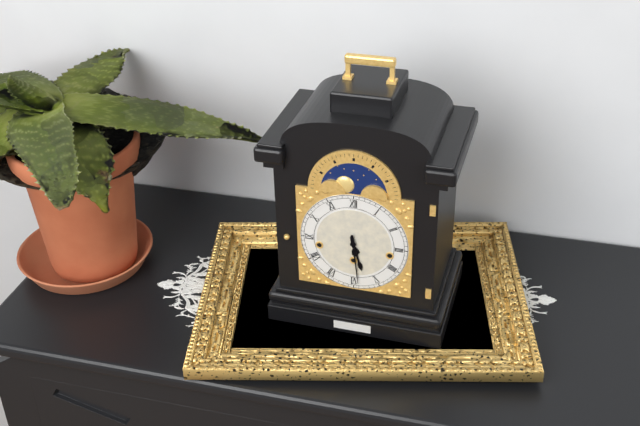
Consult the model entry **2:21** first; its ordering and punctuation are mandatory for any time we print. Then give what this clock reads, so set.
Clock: **5:29**
